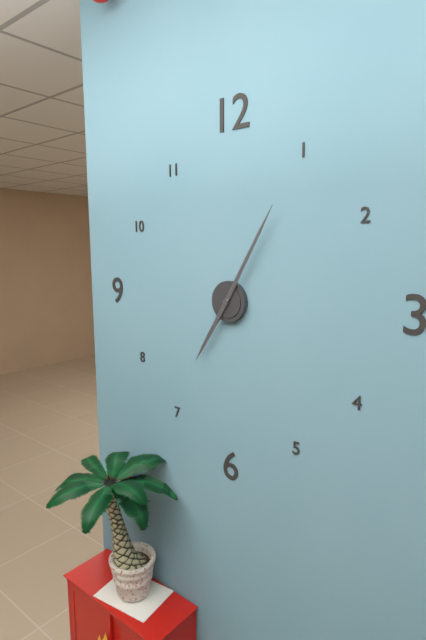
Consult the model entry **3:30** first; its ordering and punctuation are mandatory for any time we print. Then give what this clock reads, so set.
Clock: **7:05**
